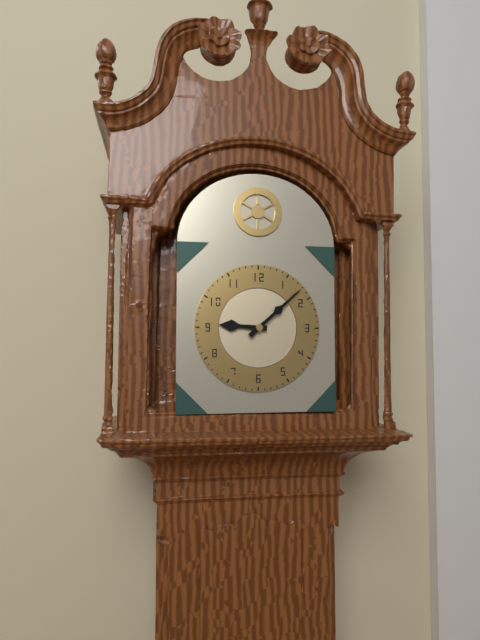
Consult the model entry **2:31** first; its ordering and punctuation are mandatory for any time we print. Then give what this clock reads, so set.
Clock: **9:08**
